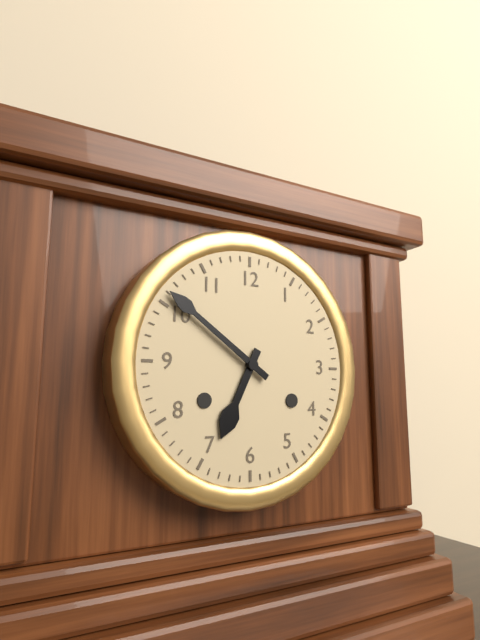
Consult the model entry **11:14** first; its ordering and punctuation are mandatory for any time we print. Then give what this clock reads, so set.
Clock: **6:51**
